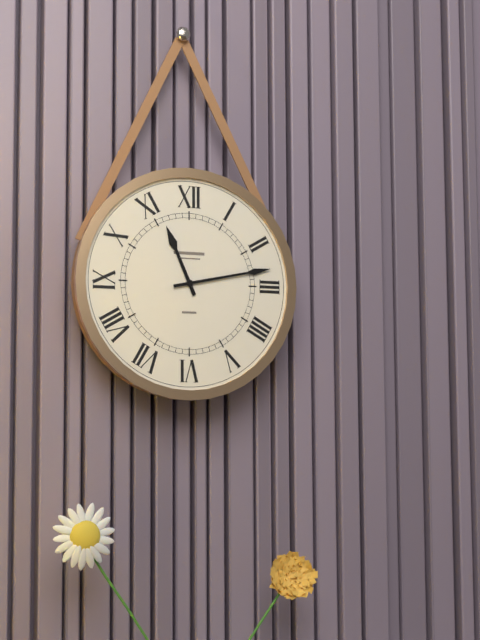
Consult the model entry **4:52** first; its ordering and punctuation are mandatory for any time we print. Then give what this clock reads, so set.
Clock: **11:13**
